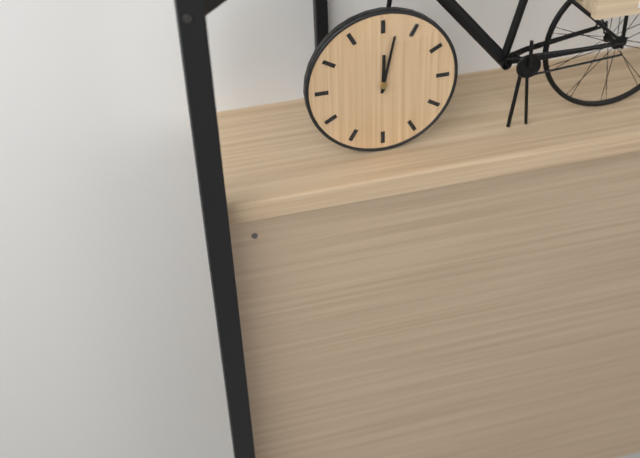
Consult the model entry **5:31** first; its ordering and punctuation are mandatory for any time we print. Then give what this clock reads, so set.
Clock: **12:02**
